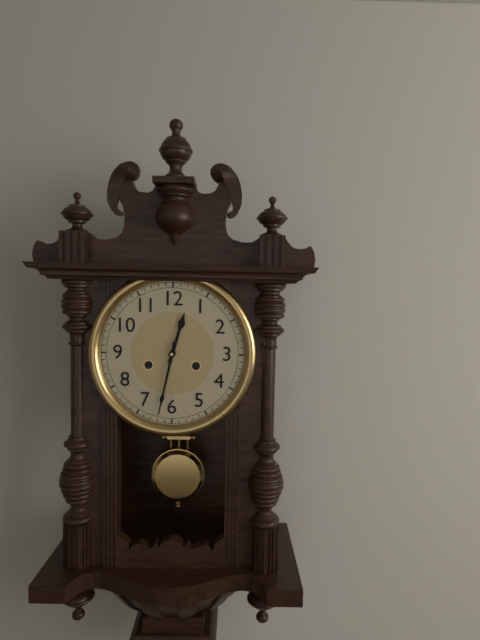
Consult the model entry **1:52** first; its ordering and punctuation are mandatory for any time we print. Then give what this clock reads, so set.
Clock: **12:32**
